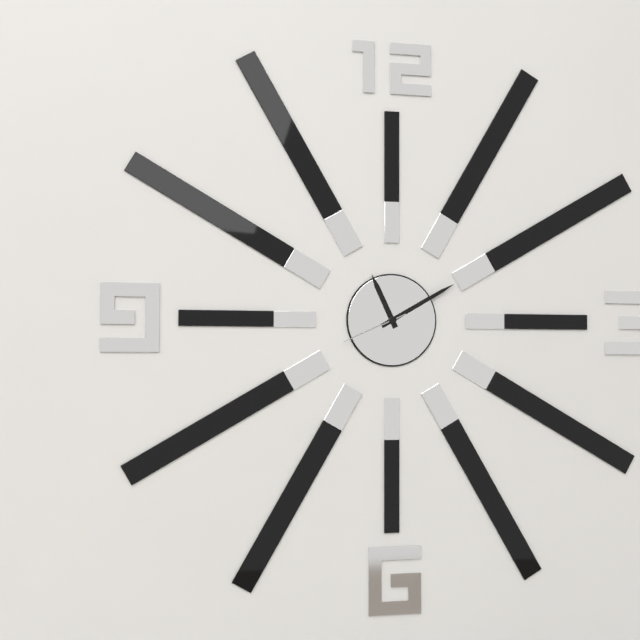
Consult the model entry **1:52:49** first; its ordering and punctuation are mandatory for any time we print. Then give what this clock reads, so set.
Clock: **11:10:41**
